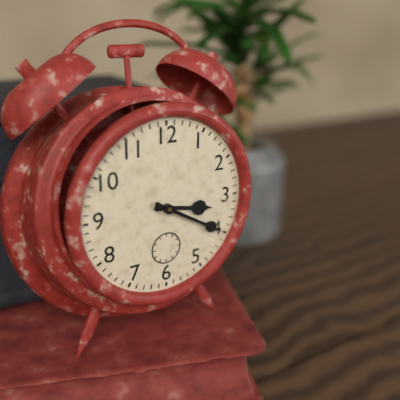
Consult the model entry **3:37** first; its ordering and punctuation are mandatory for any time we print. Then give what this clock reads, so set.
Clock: **3:20**
